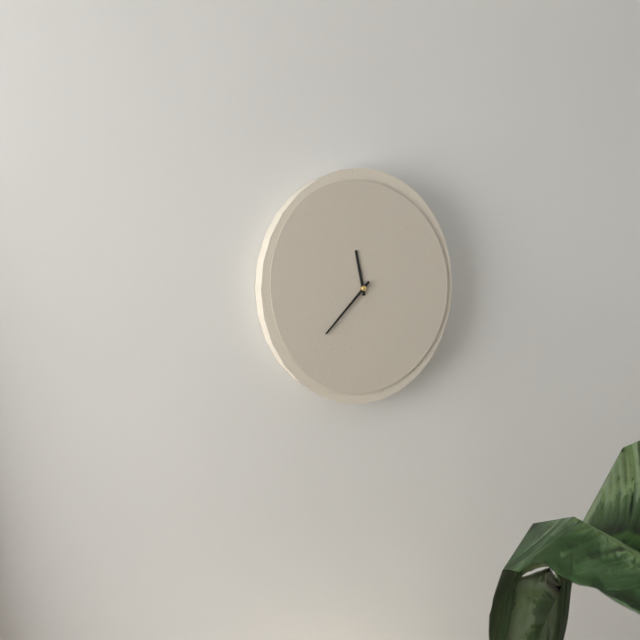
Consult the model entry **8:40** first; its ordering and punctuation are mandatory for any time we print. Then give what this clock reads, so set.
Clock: **11:37**
